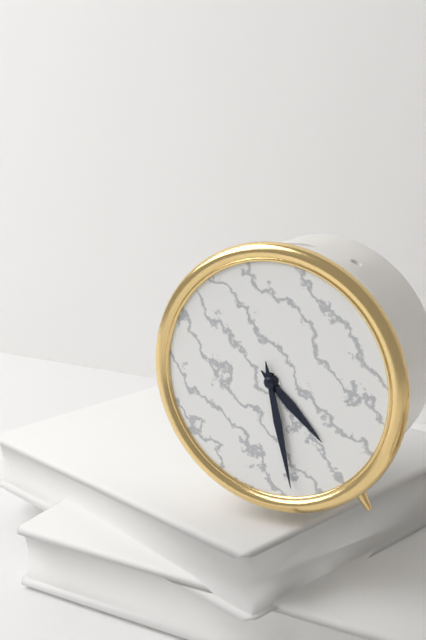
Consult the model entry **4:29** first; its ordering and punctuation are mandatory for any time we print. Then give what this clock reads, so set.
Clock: **4:28**
